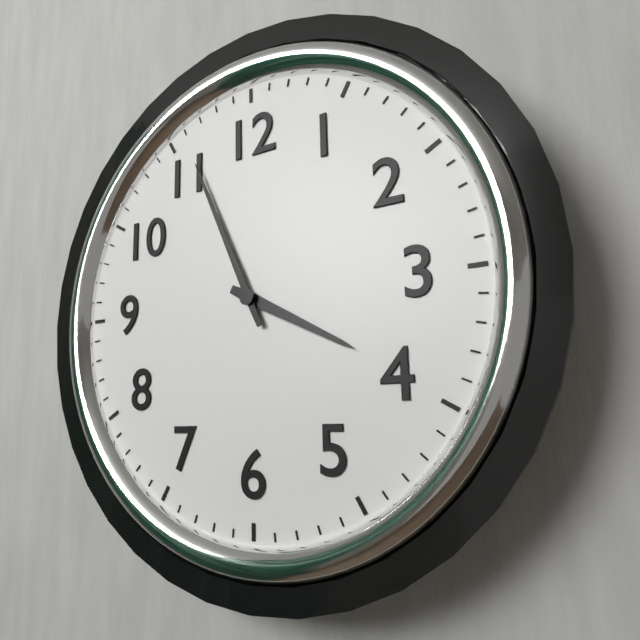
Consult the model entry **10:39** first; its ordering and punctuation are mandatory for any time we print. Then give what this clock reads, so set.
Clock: **3:56**
